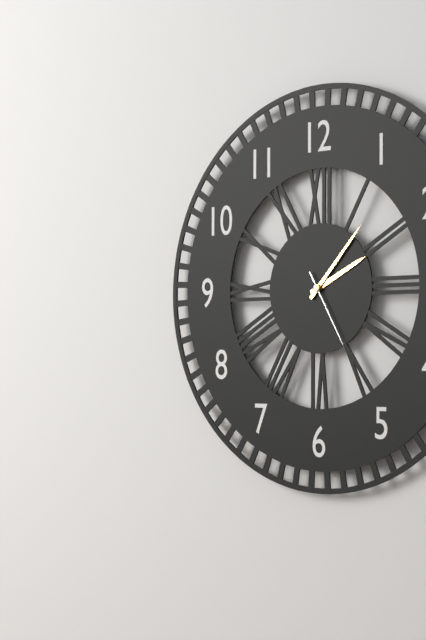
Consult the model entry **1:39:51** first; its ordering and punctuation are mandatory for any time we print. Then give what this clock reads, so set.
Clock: **2:07:25**
